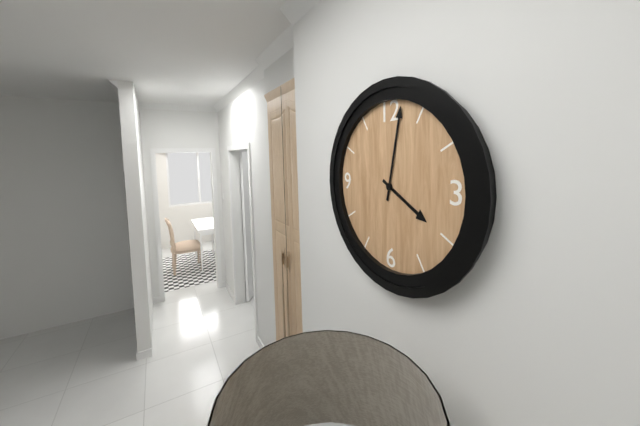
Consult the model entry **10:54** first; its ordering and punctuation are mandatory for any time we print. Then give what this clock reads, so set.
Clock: **4:02**
